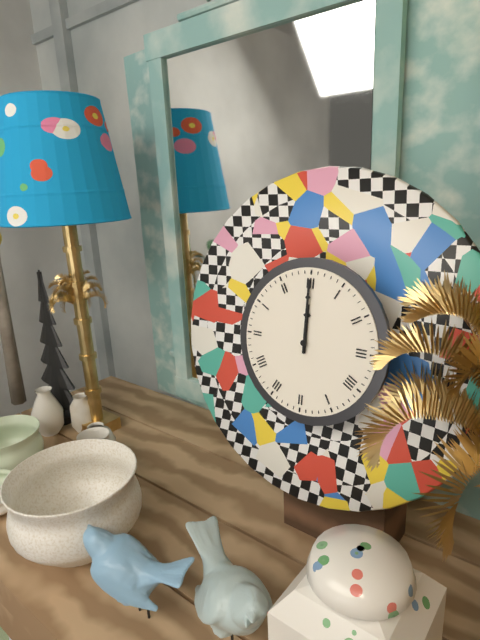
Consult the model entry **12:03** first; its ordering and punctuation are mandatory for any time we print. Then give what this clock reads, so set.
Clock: **12:00**
